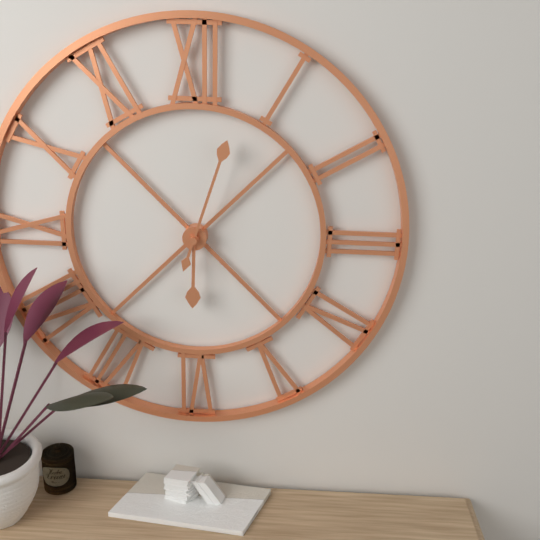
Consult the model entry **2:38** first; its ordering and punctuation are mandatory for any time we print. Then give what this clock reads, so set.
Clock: **6:03**
